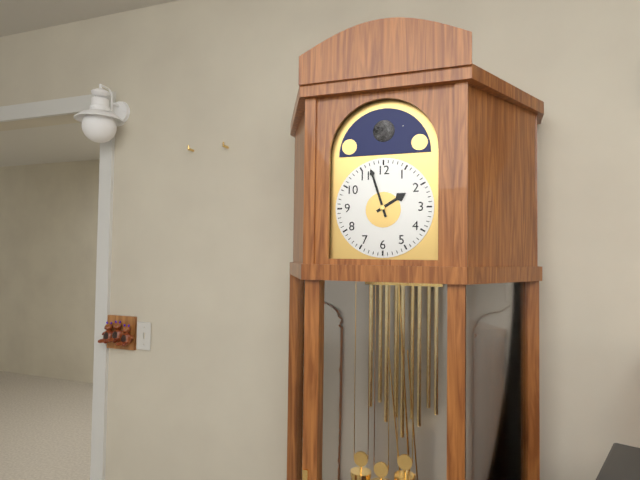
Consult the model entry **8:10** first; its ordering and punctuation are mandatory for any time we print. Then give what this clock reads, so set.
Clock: **1:57**
